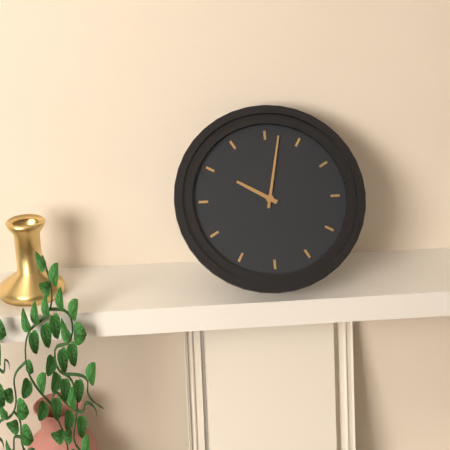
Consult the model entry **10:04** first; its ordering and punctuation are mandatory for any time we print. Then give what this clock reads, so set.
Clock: **10:02**
